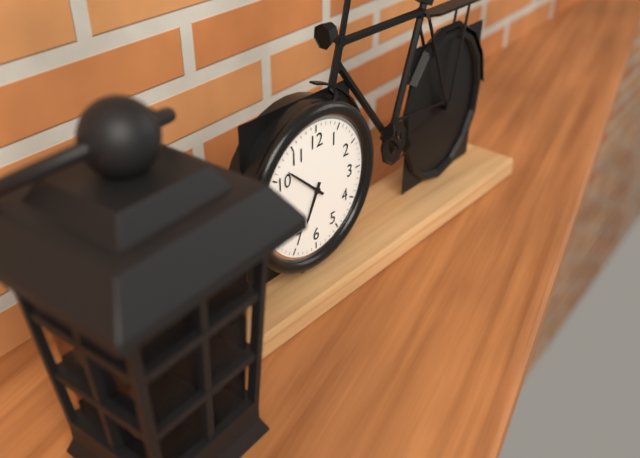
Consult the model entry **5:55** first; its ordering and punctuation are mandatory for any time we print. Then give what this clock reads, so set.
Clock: **6:52**
